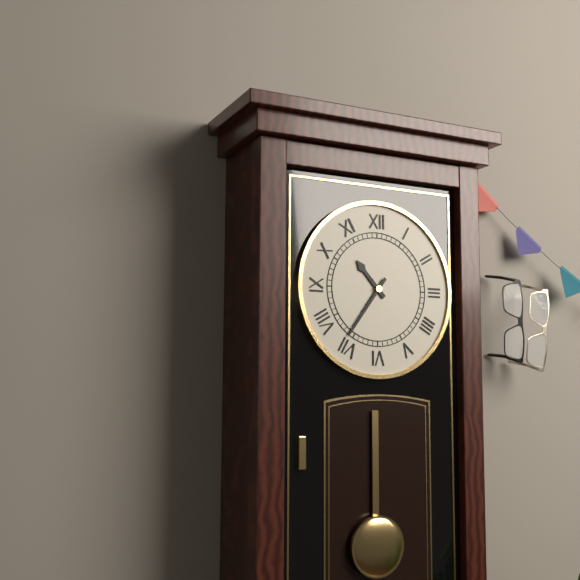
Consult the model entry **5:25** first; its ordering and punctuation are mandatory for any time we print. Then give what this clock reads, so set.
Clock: **10:36**
